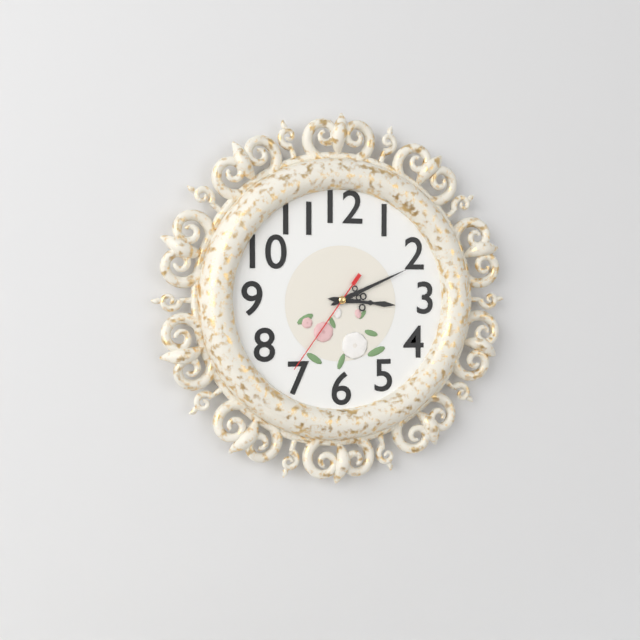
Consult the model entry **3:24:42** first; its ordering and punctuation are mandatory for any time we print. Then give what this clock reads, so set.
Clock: **3:11:36**
